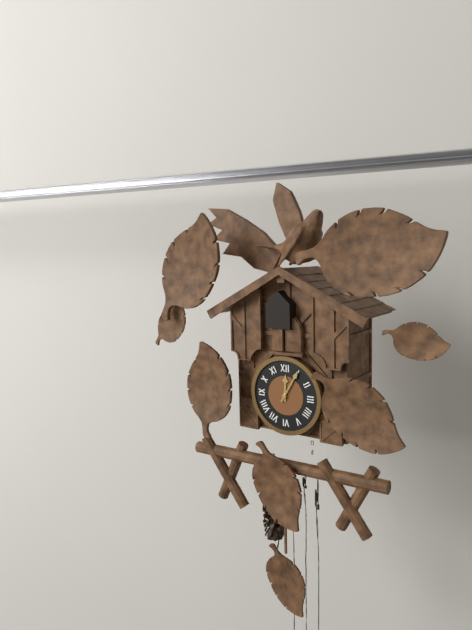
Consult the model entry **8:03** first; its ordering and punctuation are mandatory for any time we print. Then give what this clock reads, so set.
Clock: **12:05**
